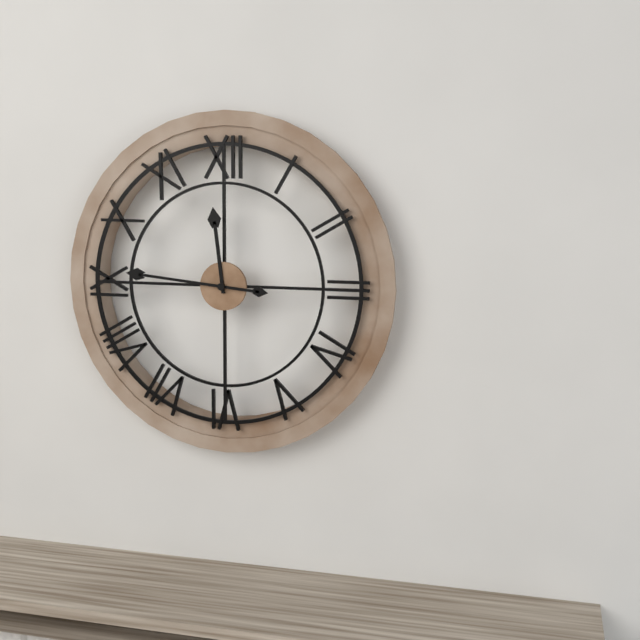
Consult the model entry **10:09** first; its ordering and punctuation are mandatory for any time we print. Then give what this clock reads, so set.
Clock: **11:46**
